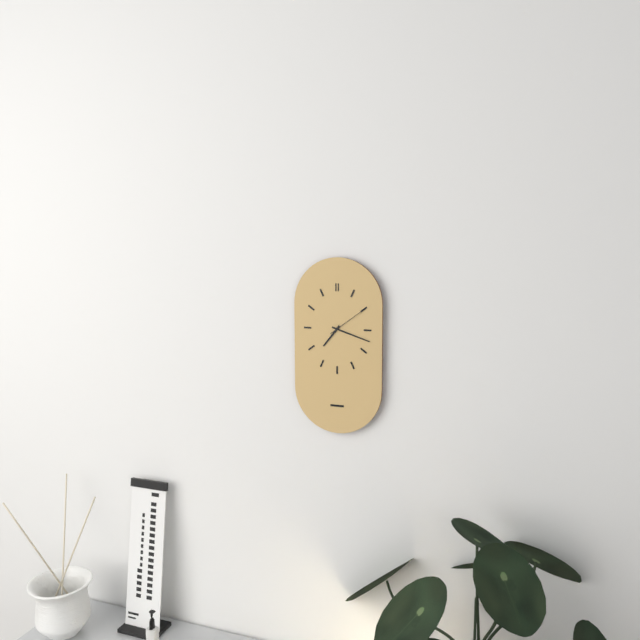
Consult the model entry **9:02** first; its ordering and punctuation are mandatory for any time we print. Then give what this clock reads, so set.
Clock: **7:18**
